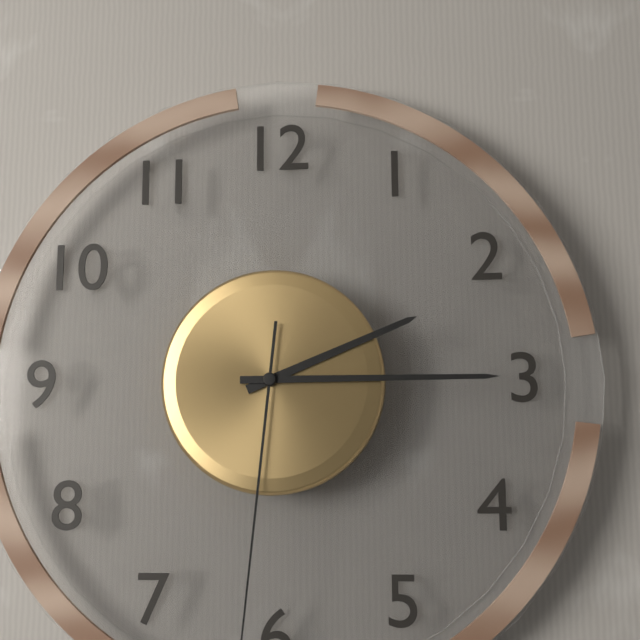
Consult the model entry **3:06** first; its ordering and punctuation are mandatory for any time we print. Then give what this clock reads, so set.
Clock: **2:15**
